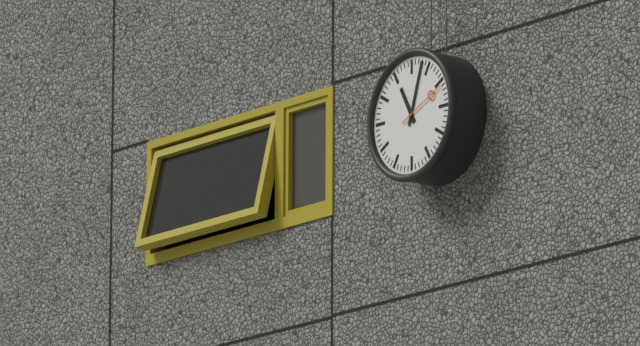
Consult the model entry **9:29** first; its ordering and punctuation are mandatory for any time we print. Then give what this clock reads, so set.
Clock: **11:03**
